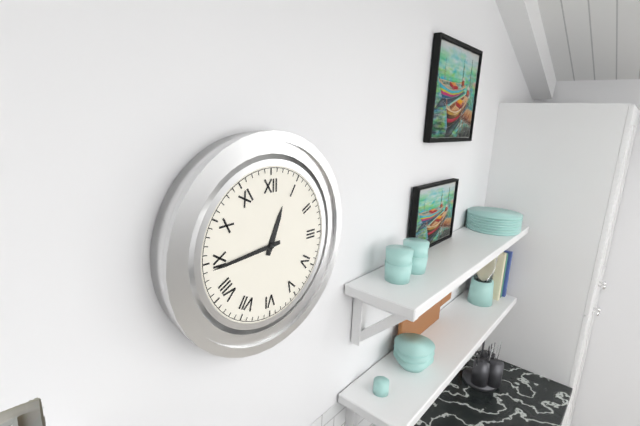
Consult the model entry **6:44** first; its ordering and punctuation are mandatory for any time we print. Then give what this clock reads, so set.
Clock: **12:44**
